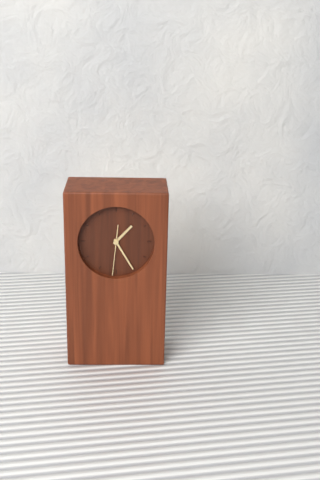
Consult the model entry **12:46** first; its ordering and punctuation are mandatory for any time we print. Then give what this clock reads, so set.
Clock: **1:25**
